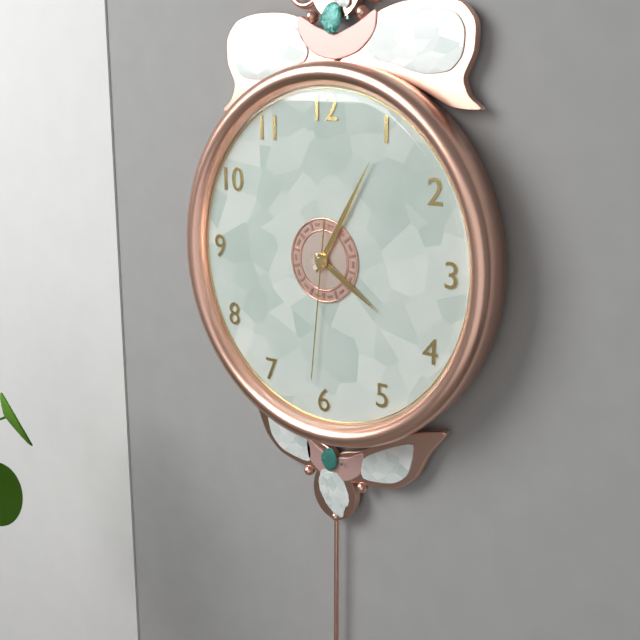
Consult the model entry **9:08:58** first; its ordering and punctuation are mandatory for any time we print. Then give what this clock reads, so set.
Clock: **4:05:31**
